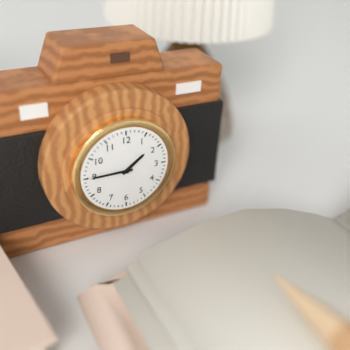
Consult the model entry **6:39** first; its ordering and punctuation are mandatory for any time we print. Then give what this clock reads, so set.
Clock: **1:45**
